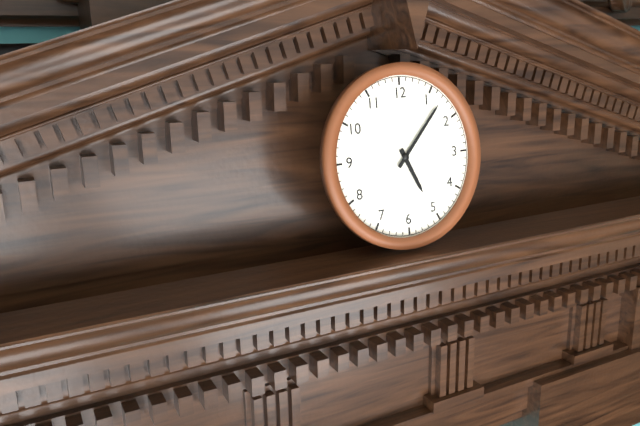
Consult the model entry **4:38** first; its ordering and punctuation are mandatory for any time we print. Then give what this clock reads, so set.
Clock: **5:07**
